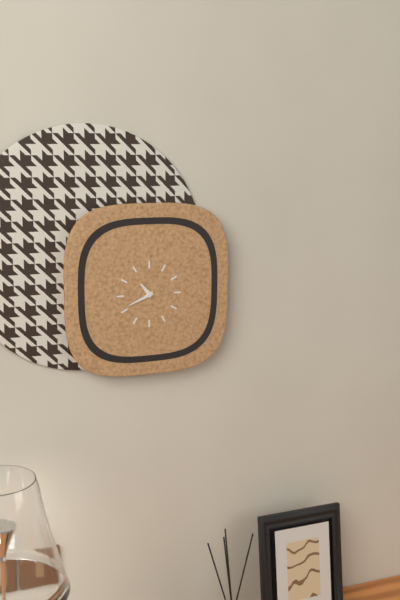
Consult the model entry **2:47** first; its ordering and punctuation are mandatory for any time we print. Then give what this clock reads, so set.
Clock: **10:41**
